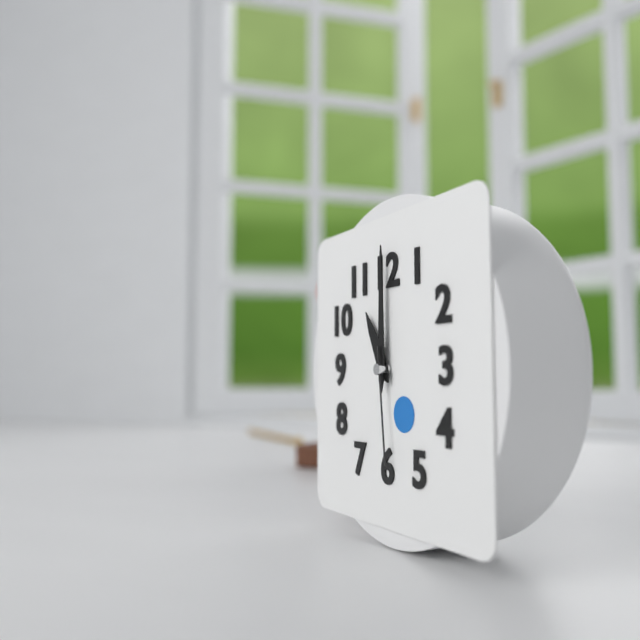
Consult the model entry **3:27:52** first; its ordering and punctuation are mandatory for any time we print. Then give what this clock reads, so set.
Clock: **11:00:29**
